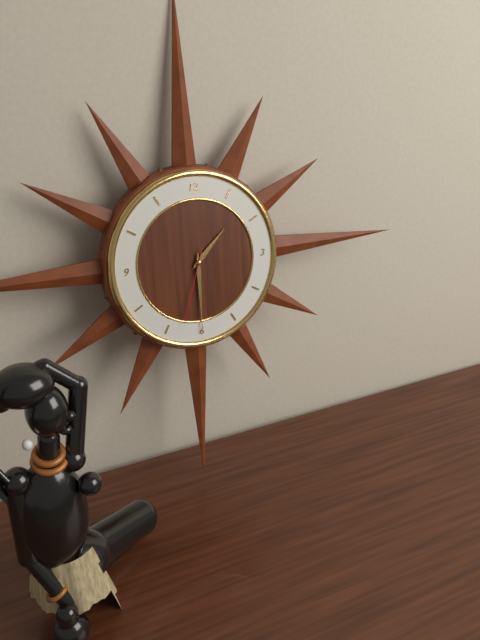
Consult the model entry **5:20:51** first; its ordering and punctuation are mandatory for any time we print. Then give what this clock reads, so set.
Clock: **1:30:33**
